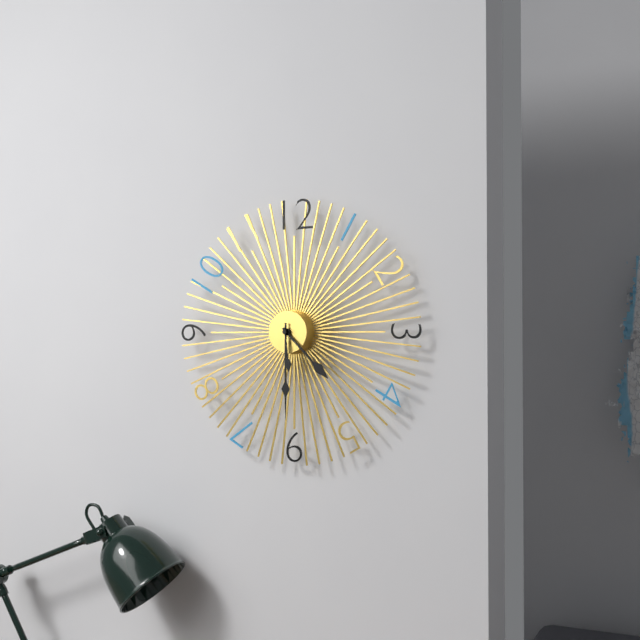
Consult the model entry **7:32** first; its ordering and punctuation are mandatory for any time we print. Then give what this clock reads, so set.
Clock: **4:30**
